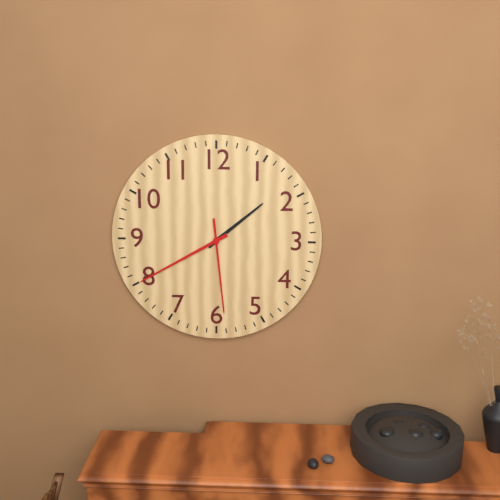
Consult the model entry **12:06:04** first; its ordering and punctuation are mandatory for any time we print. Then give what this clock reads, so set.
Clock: **1:40:29**
